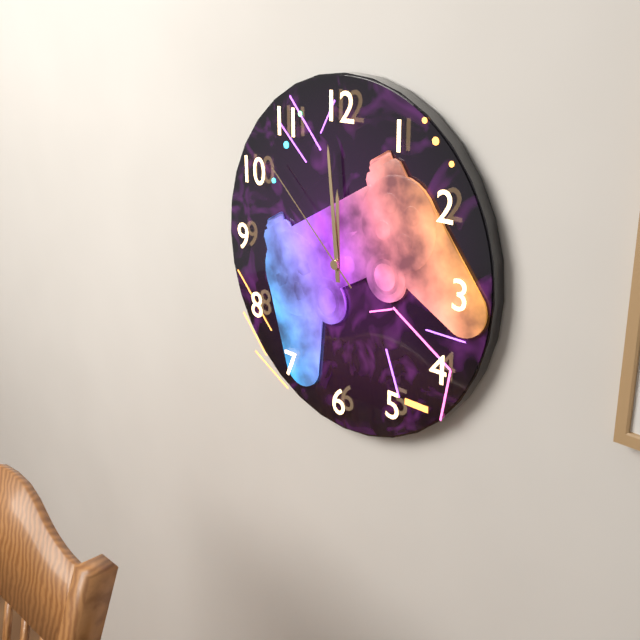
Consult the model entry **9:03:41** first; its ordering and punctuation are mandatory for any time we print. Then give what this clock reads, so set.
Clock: **11:59:52**
